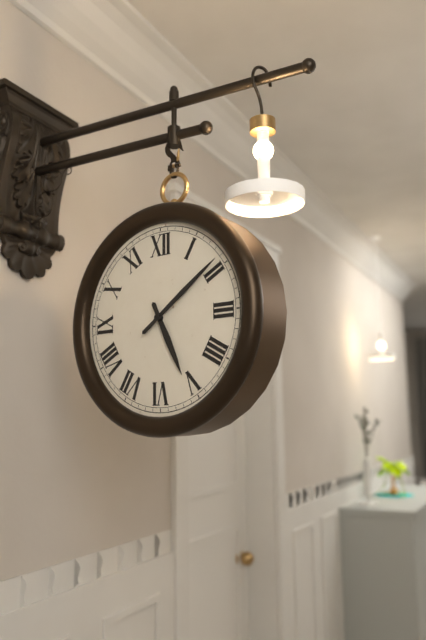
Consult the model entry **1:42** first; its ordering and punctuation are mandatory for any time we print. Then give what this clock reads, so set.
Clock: **5:09**
